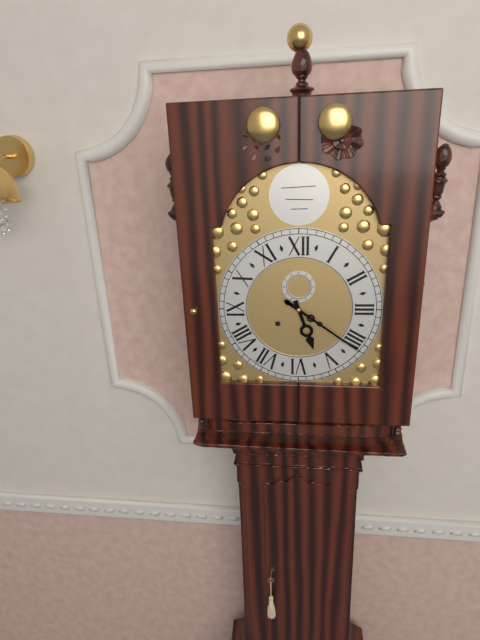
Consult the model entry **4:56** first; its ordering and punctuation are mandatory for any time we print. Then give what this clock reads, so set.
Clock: **5:21**
